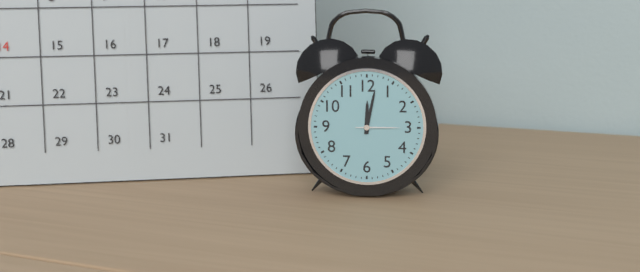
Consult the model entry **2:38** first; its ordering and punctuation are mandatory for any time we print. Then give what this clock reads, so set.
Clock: **12:02**
